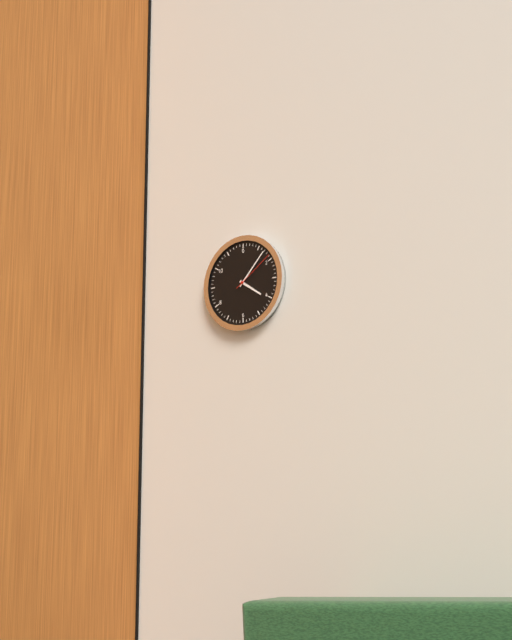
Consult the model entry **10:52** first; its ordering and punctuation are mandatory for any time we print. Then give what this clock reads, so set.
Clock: **4:07**
